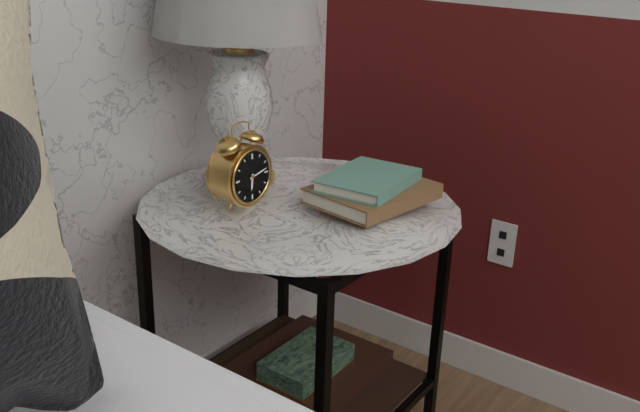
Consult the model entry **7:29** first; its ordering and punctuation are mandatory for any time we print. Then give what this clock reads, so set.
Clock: **6:13**
